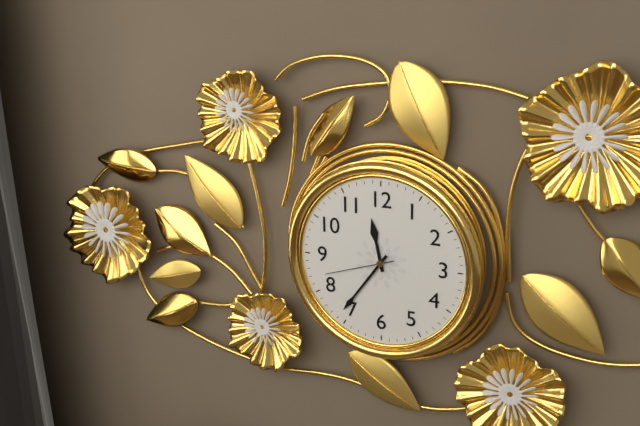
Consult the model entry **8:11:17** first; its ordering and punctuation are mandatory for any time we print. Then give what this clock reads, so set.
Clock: **11:36:42**
